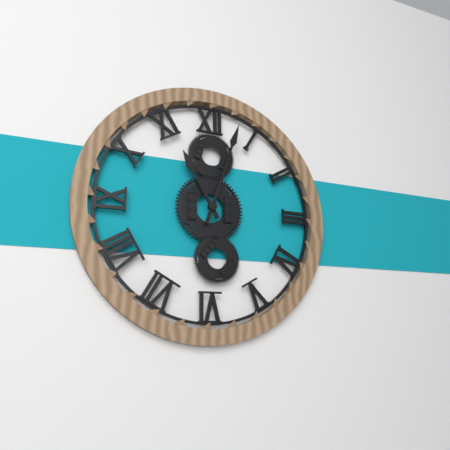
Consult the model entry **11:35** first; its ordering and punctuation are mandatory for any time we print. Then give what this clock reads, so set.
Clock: **11:03**
